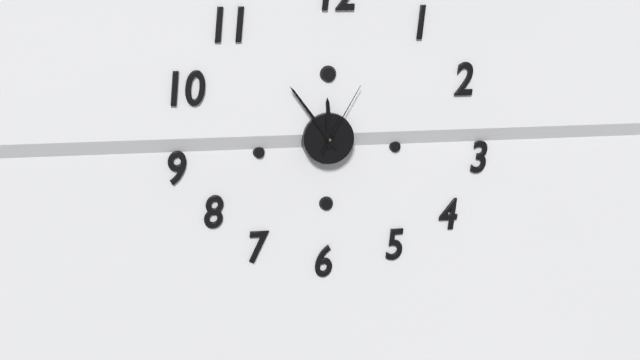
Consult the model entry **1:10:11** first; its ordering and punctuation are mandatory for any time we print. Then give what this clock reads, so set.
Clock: **11:54:05**
